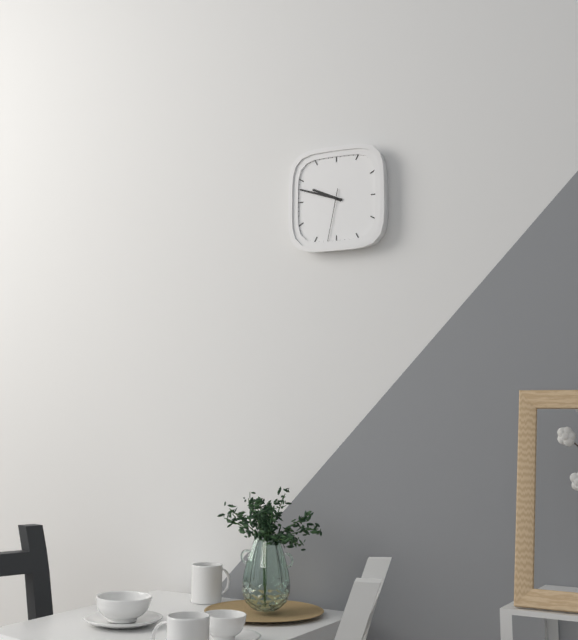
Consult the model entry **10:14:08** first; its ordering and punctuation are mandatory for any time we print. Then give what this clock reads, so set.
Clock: **9:48:32**
